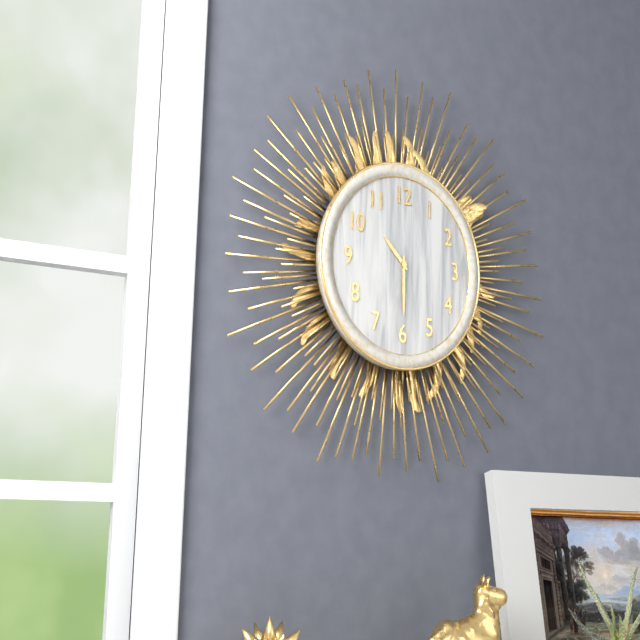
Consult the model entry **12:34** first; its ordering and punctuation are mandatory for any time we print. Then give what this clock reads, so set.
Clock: **10:30**
